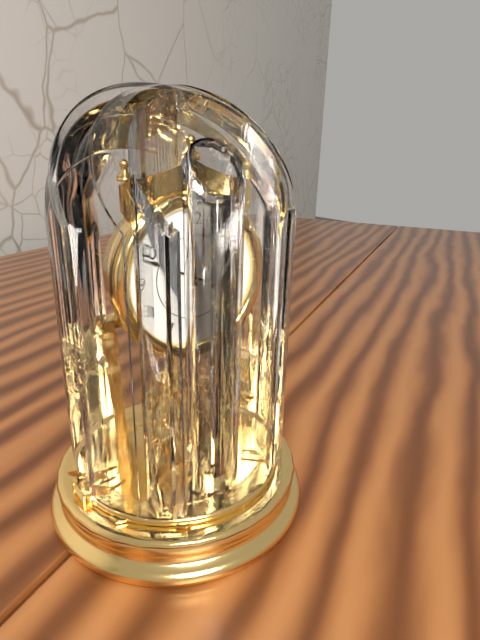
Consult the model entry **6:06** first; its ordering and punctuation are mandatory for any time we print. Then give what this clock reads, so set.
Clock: **11:49**
